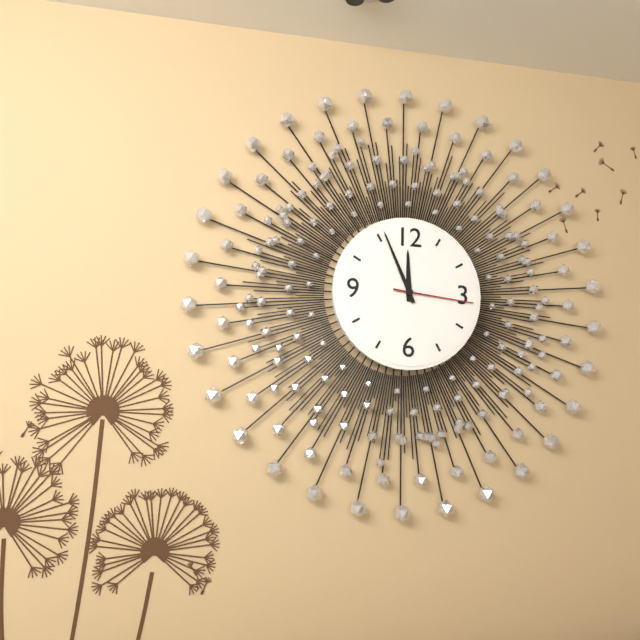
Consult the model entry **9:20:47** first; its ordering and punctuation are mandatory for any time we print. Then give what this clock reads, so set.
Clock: **11:56:16**
